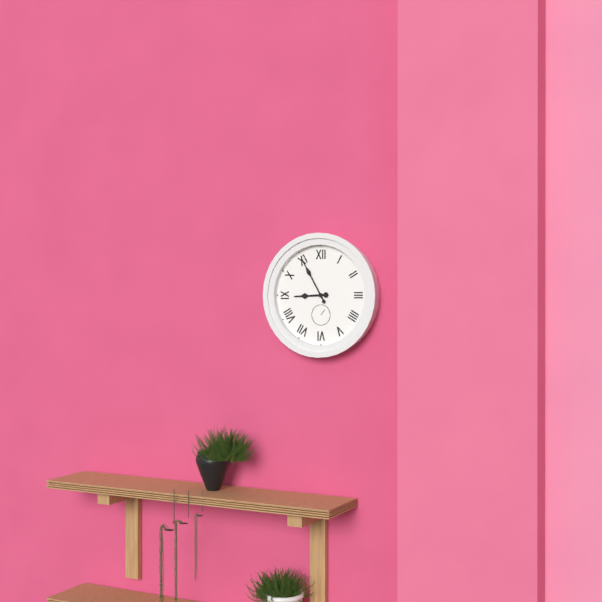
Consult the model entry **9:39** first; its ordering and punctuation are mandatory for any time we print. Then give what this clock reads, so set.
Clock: **8:55**
